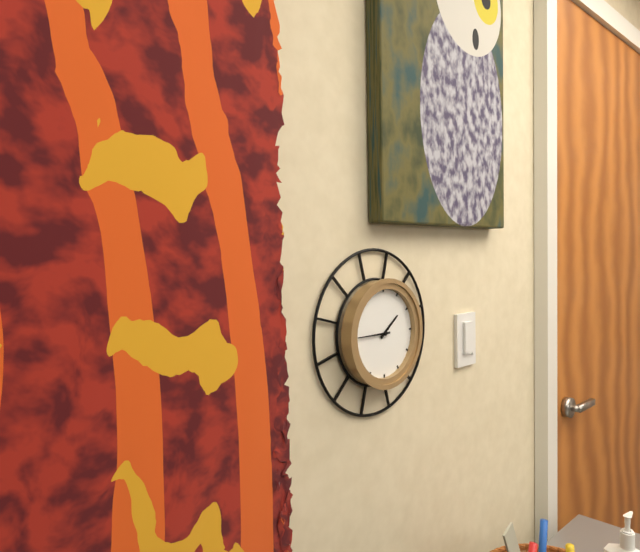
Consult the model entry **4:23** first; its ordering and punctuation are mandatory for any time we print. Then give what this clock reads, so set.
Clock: **1:45**
